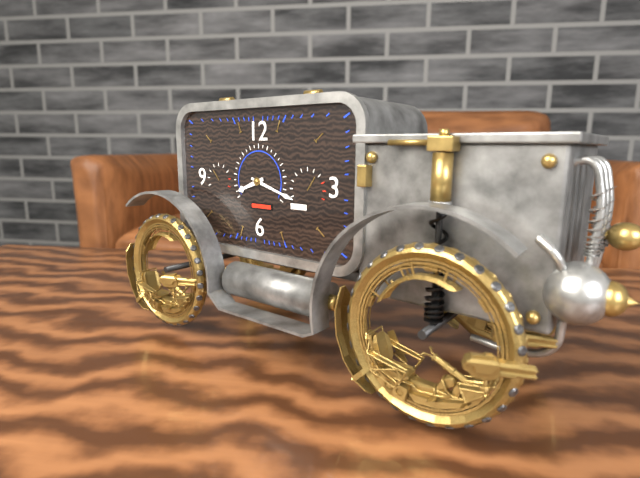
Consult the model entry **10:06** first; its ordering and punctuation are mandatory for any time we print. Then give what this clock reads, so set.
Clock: **8:18**
